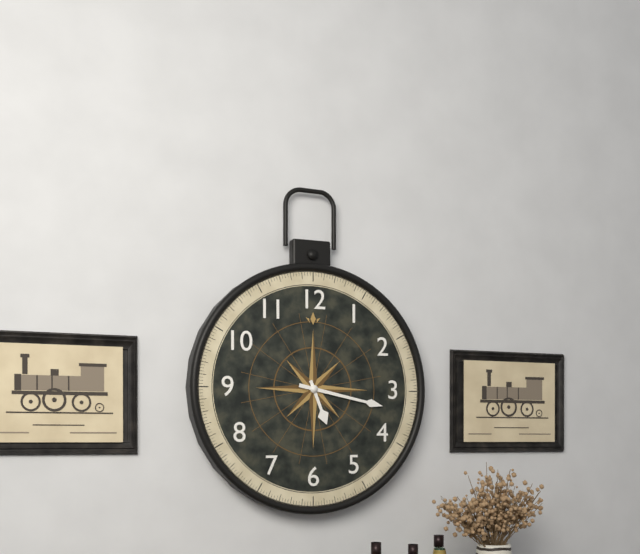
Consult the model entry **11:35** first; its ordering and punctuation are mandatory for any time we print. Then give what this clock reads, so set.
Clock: **5:17**
